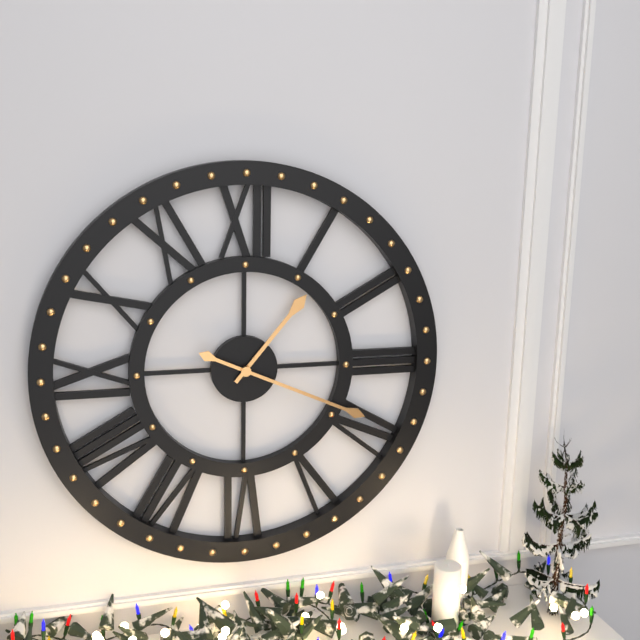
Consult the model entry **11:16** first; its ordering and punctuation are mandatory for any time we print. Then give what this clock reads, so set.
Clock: **1:19**
